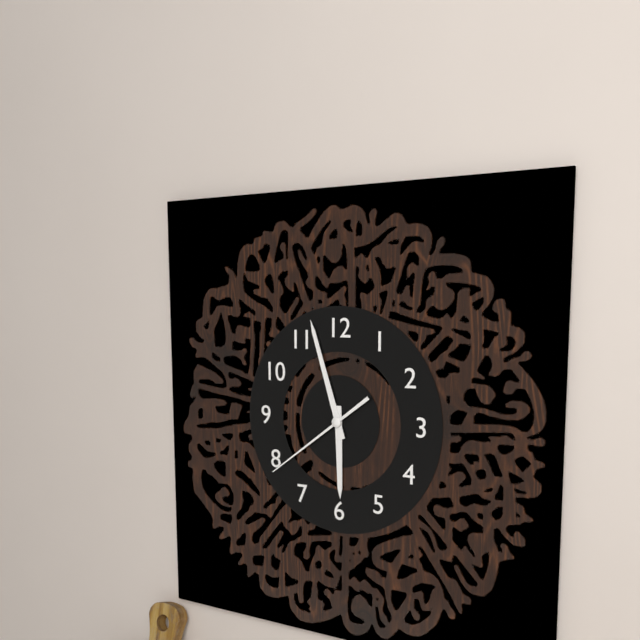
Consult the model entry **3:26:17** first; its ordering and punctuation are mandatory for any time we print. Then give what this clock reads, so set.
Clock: **5:57:39**
